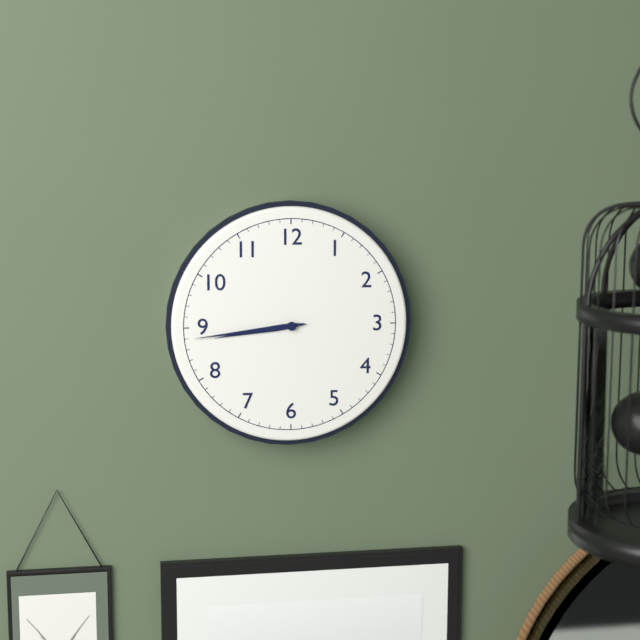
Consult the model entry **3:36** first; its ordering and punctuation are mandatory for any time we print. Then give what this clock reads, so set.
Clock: **8:44**
